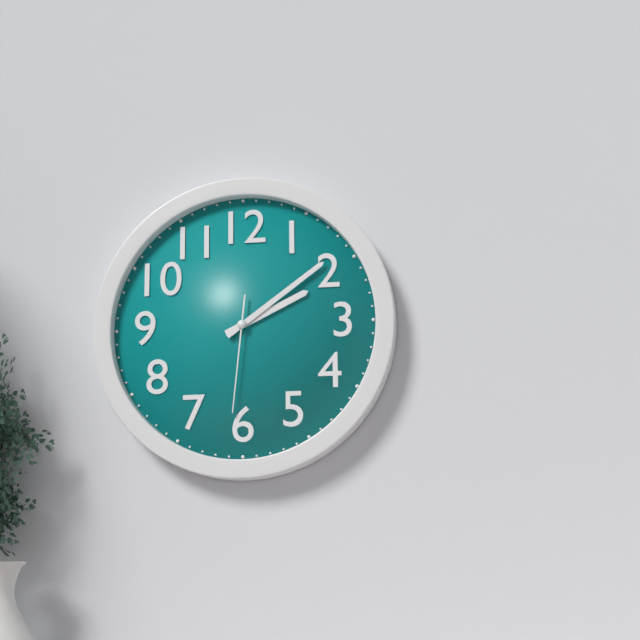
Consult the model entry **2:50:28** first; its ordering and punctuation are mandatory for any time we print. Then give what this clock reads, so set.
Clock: **2:09:31**
